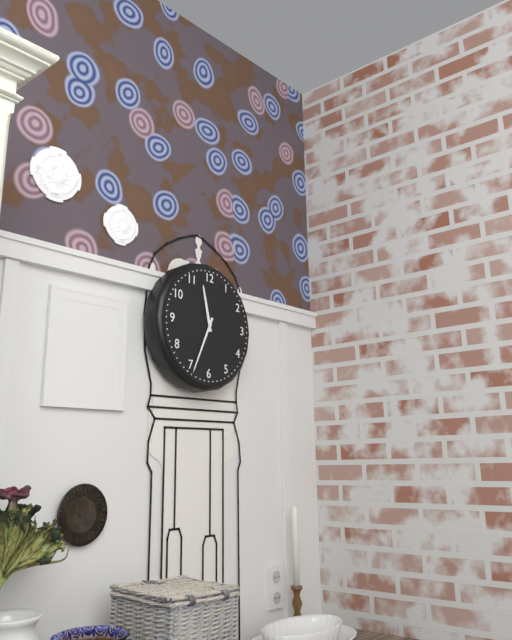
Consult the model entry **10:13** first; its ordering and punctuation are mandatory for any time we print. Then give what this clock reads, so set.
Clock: **11:34**
